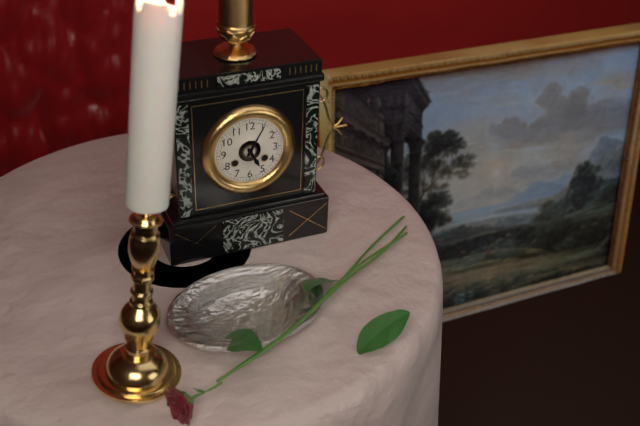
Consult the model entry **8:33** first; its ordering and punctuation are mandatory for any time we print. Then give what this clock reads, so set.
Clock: **5:05**
